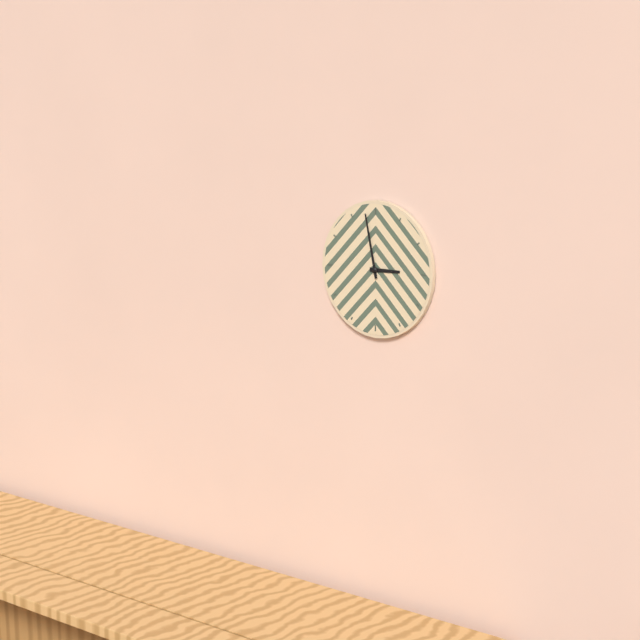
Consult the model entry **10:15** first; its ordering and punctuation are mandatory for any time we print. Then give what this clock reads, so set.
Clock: **2:58**
